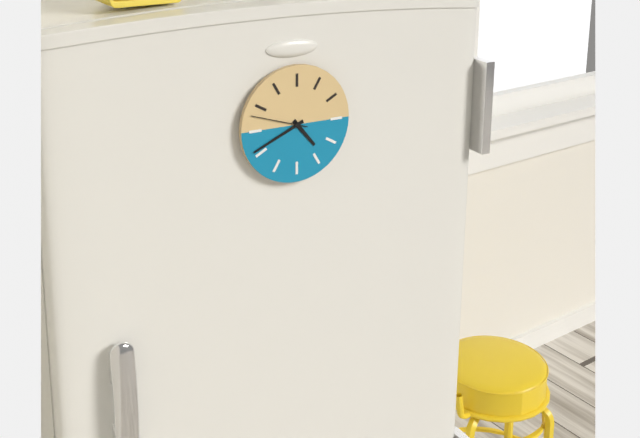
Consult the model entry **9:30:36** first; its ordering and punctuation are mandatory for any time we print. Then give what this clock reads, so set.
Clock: **4:41:48**
